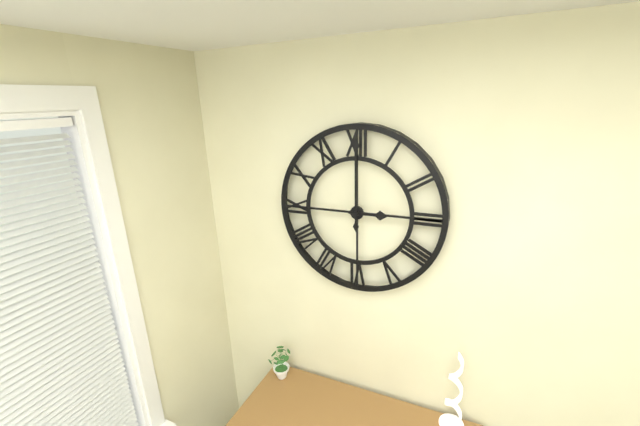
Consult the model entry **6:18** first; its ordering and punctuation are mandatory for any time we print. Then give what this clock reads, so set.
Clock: **3:00**
